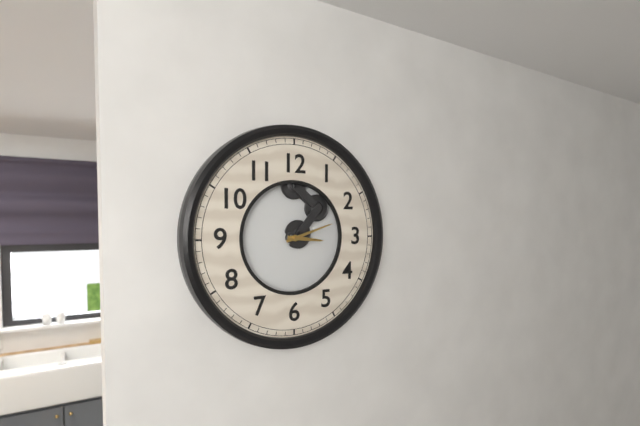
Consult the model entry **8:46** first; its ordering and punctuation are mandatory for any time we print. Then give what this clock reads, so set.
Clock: **3:12**
